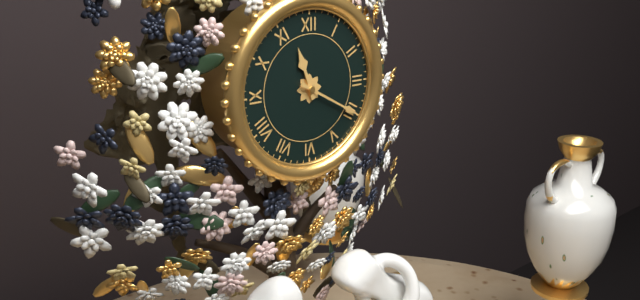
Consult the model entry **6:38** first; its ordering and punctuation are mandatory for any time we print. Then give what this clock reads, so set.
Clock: **11:20**
